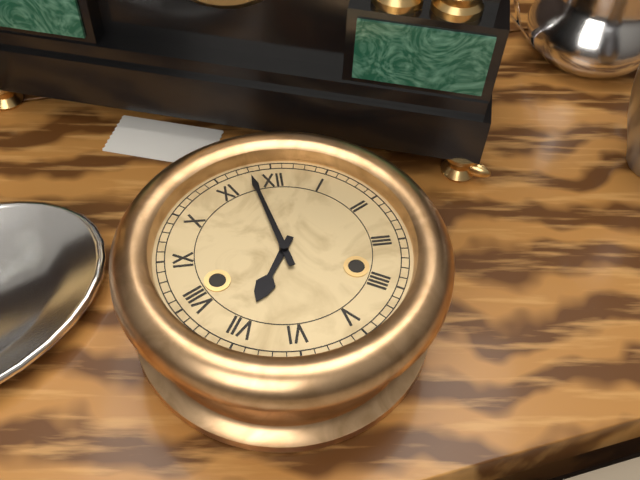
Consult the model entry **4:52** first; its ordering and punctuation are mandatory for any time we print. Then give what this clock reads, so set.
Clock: **6:58**
